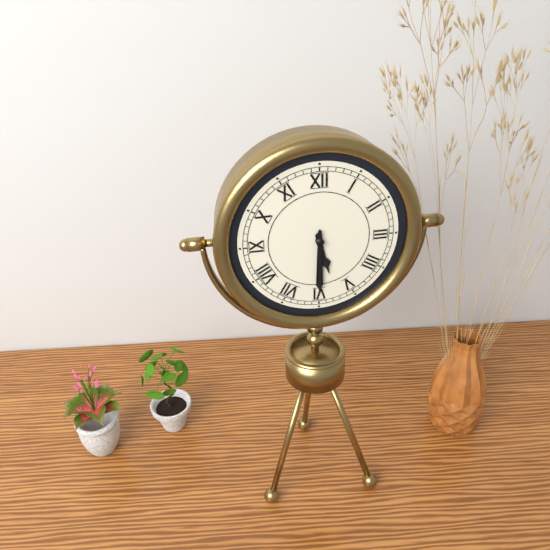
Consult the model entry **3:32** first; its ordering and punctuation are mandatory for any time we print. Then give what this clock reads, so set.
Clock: **5:30**
